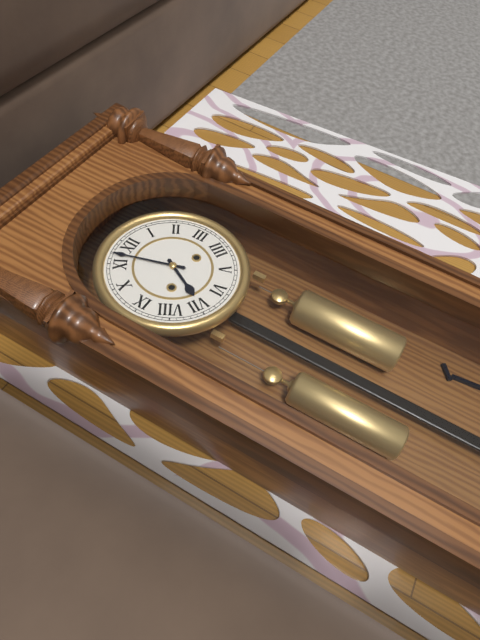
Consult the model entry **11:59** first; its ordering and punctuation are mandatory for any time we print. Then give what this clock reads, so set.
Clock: **6:57**
